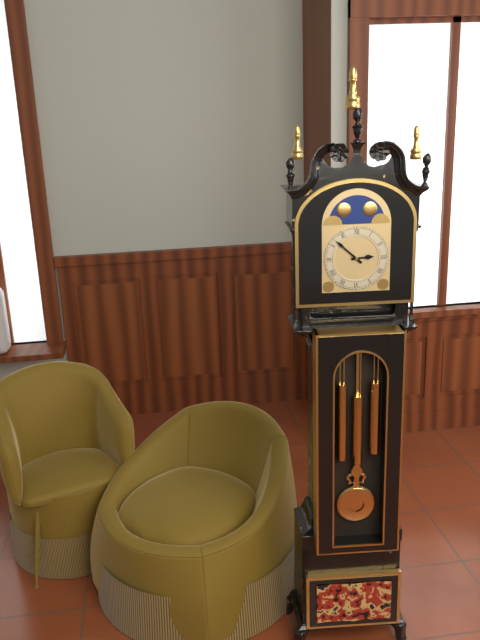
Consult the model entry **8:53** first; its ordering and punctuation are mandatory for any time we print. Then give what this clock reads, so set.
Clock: **2:52**
